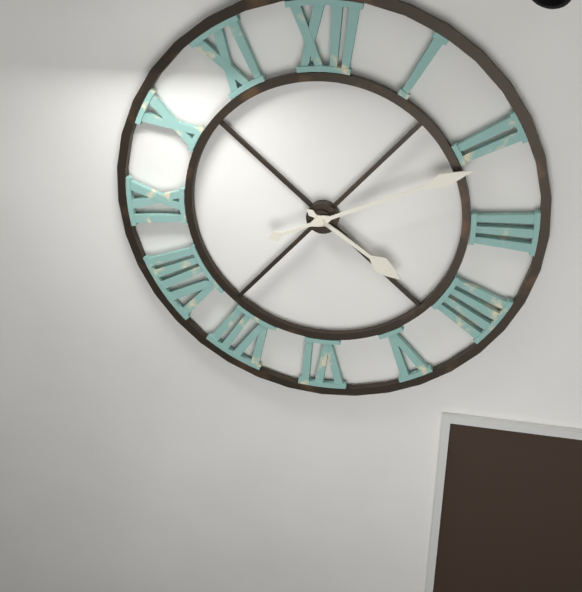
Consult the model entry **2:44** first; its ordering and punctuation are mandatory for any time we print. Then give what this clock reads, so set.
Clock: **4:11**
